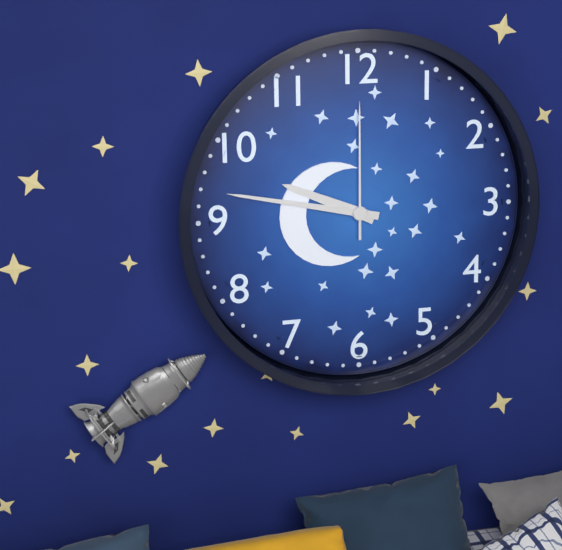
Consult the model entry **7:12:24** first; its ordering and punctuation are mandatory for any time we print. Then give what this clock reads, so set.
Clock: **9:47:00**
